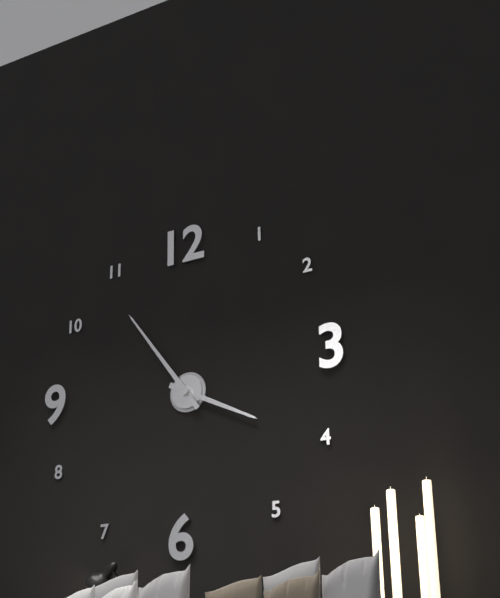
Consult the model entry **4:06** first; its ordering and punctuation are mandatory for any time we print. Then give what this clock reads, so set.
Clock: **3:54**
